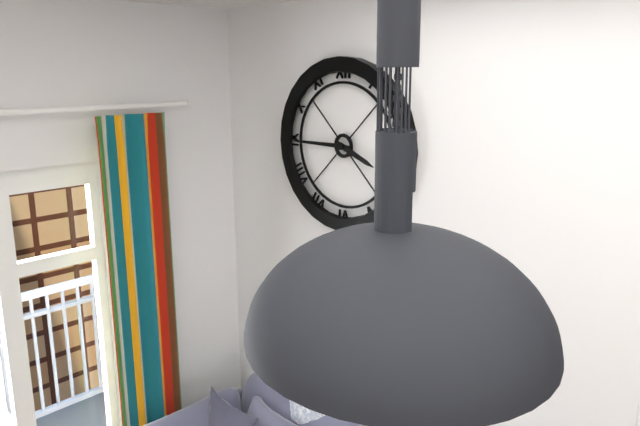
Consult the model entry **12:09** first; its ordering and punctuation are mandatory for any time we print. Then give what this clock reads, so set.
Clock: **3:45**
